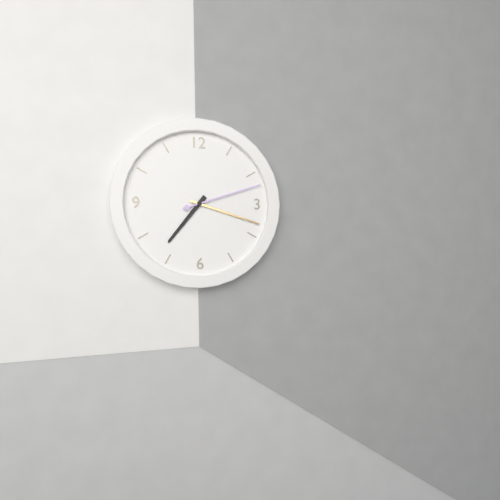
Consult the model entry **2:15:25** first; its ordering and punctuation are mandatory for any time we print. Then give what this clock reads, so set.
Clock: **7:18:12**
